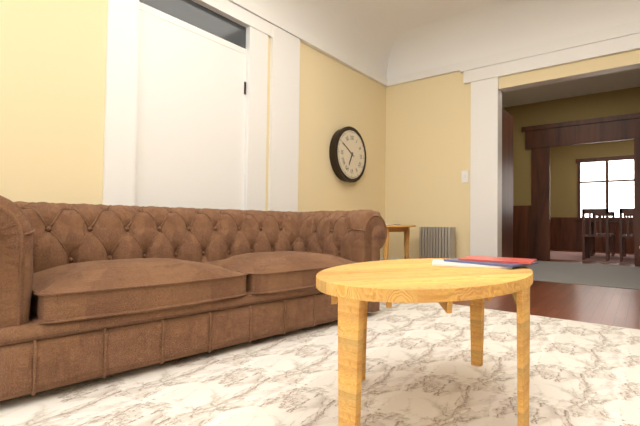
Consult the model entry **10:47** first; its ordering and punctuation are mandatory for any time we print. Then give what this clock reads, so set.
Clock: **6:50**
